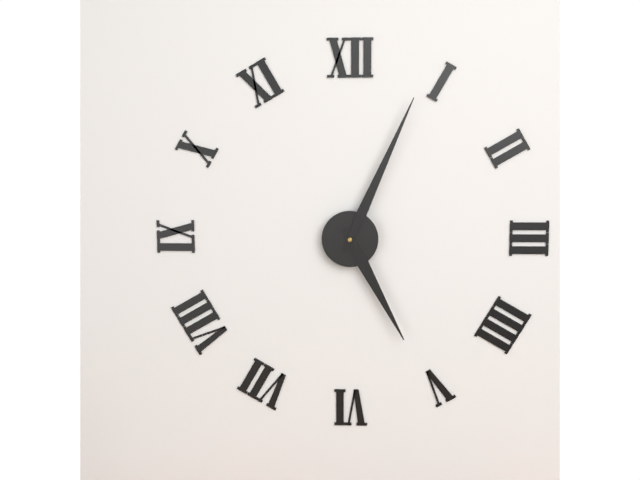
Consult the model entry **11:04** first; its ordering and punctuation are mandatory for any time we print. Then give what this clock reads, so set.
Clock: **5:04**
